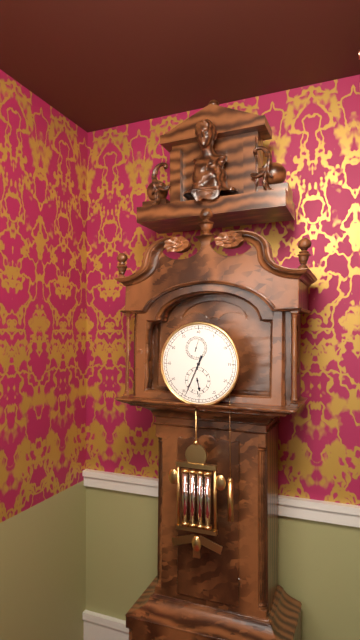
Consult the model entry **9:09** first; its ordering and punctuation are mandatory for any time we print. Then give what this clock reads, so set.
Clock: **5:34**
